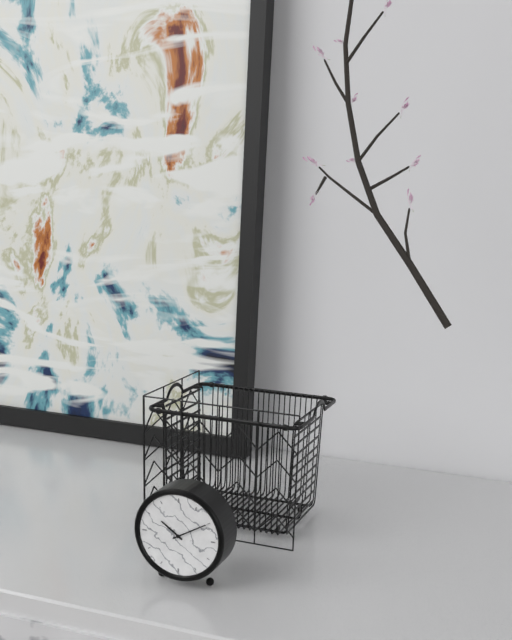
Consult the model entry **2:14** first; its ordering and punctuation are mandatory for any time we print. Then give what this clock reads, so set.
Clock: **10:10**
